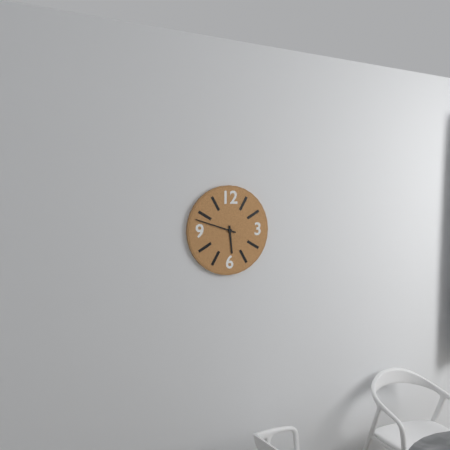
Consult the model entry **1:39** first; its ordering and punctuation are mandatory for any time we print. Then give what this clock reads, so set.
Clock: **5:48**
